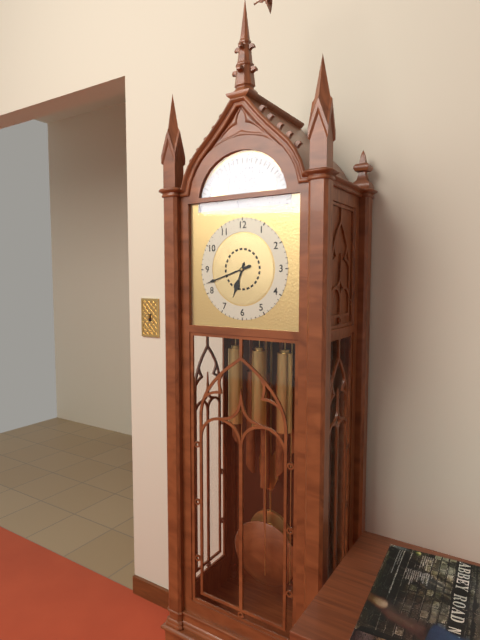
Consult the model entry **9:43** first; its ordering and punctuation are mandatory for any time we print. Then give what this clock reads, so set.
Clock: **6:42**
